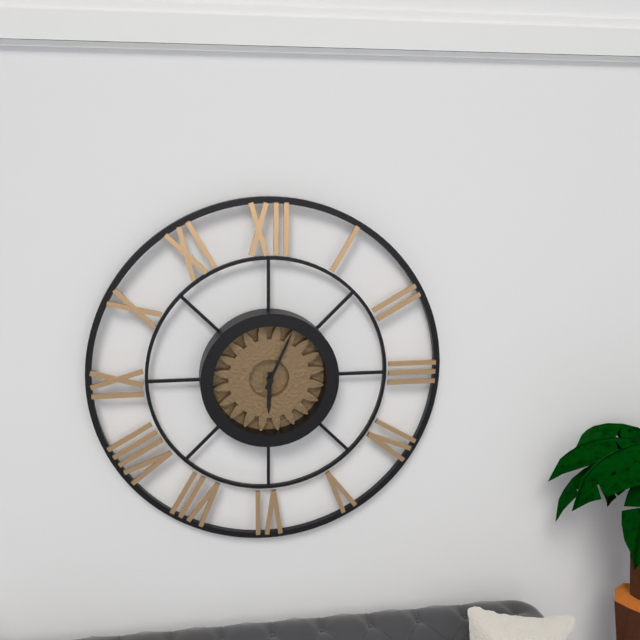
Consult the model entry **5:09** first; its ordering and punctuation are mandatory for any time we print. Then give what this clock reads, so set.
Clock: **6:04**
